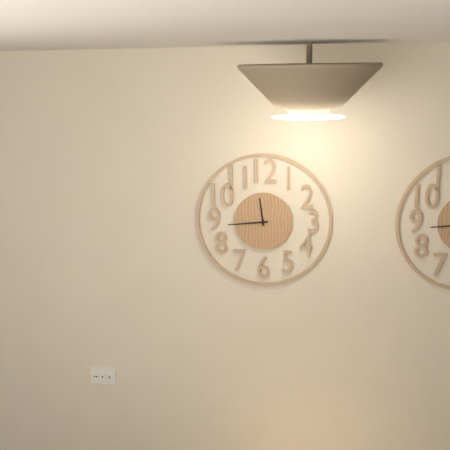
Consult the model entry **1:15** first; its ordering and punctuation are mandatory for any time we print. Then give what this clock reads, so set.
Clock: **11:44**
